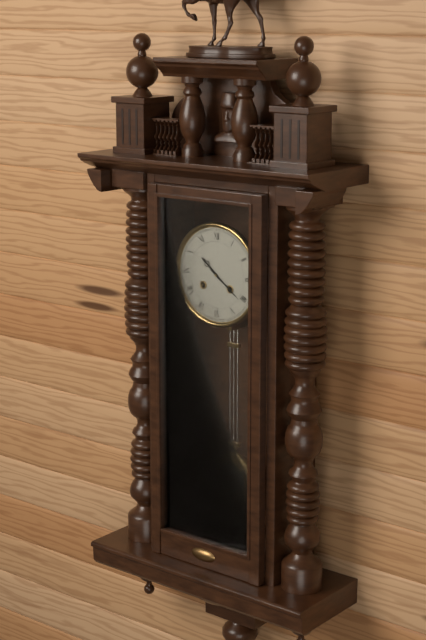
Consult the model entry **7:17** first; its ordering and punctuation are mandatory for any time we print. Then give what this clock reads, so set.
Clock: **10:21**
